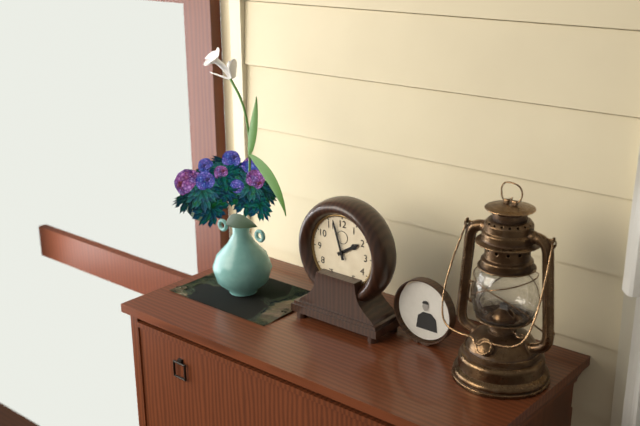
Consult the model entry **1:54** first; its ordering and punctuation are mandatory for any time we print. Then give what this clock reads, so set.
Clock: **1:57**
